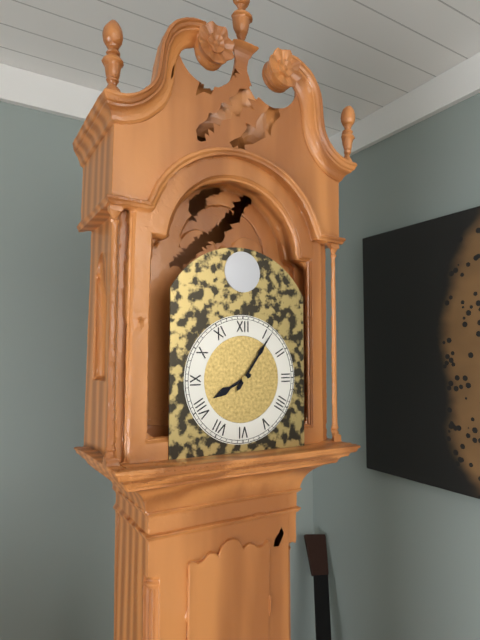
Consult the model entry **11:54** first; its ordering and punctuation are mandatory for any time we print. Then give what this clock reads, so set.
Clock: **8:06**
